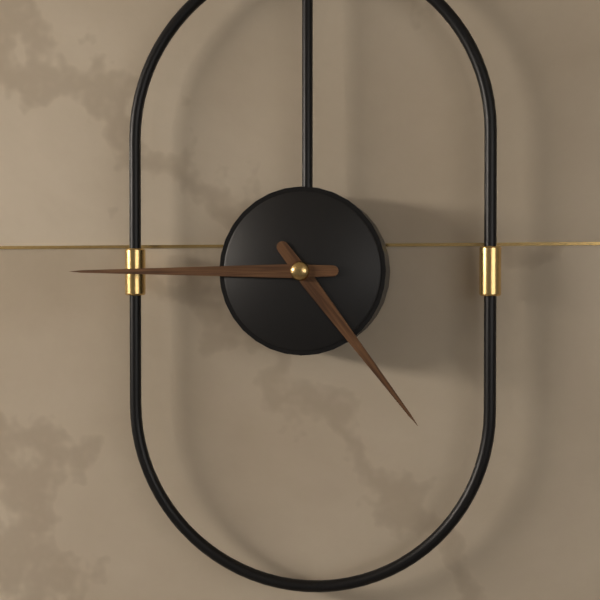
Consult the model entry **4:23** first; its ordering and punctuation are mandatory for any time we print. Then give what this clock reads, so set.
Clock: **4:45**
